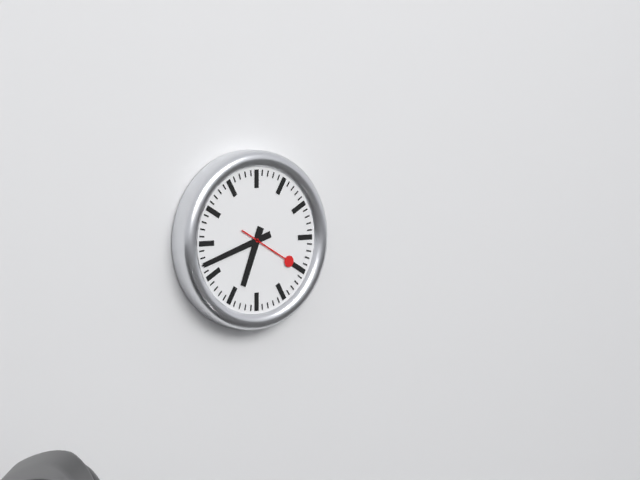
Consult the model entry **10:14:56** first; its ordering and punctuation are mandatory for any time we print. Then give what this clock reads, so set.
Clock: **6:42:20**
